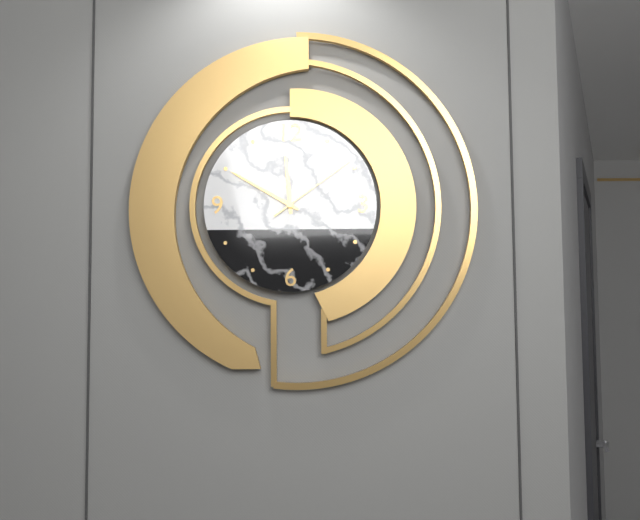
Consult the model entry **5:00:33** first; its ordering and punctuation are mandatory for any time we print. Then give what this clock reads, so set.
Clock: **11:50:09**
